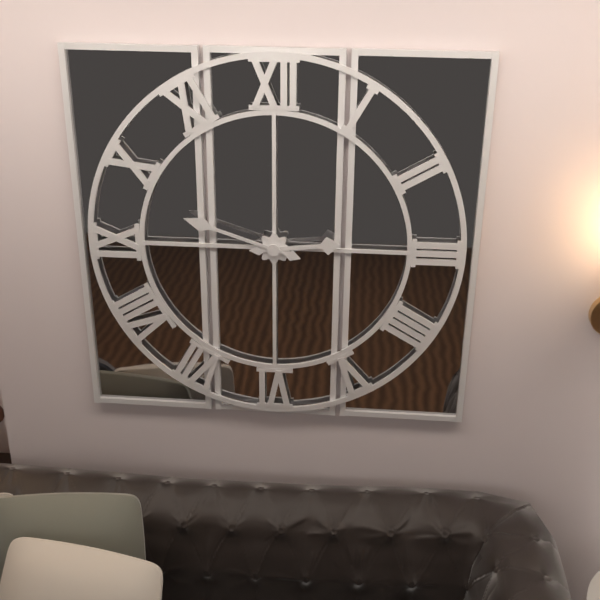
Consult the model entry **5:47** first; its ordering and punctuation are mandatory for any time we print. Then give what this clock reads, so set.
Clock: **2:48**
